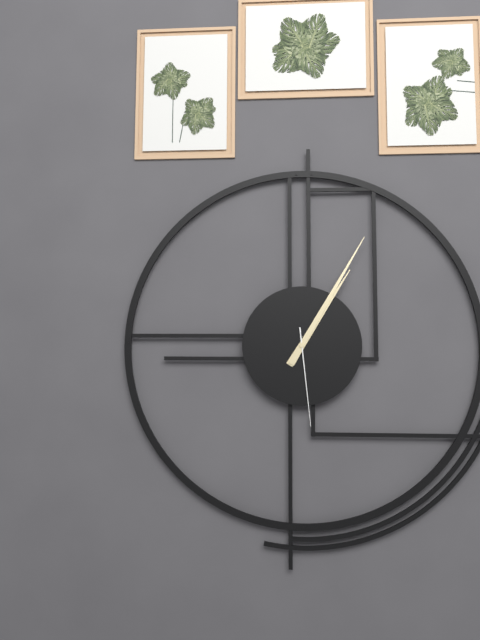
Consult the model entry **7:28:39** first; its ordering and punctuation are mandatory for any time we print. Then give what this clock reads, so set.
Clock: **1:05:29**
